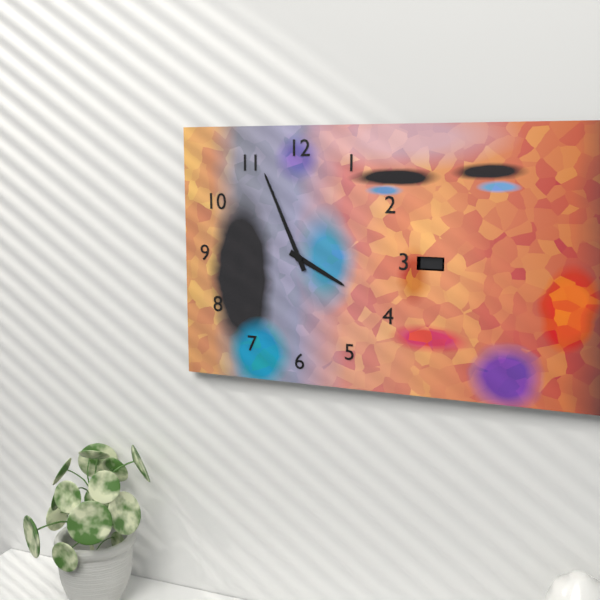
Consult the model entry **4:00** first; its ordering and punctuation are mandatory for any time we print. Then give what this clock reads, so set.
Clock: **3:56**
